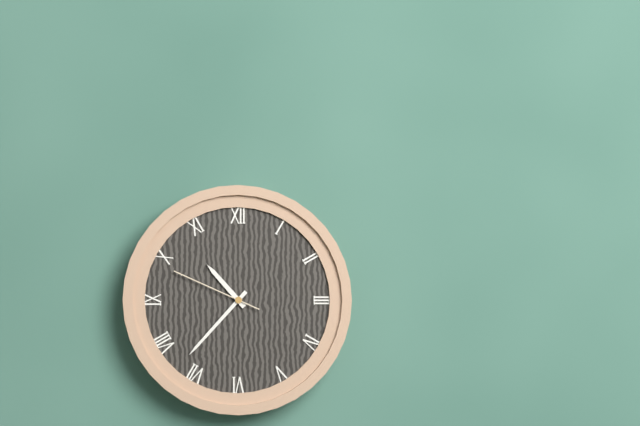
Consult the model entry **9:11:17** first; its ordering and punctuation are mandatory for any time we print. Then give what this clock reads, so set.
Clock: **10:37:49**
